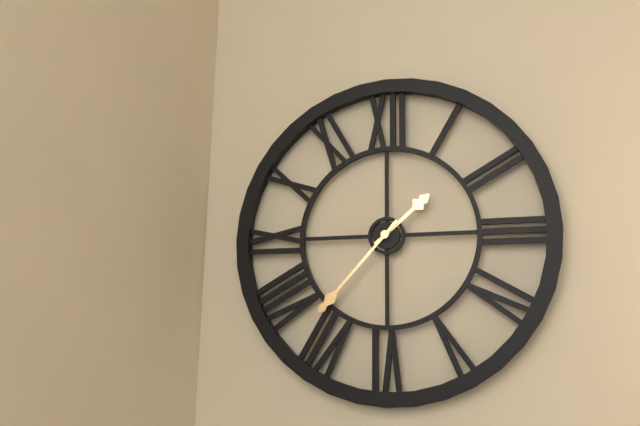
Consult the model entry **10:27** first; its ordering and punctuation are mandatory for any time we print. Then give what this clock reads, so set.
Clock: **1:37**
